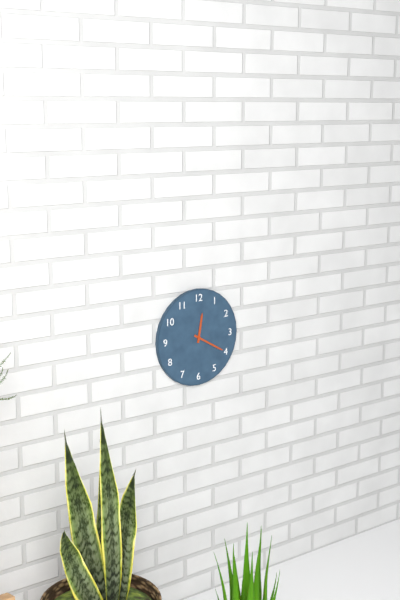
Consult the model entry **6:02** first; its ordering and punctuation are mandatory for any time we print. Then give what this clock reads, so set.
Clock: **12:20**
